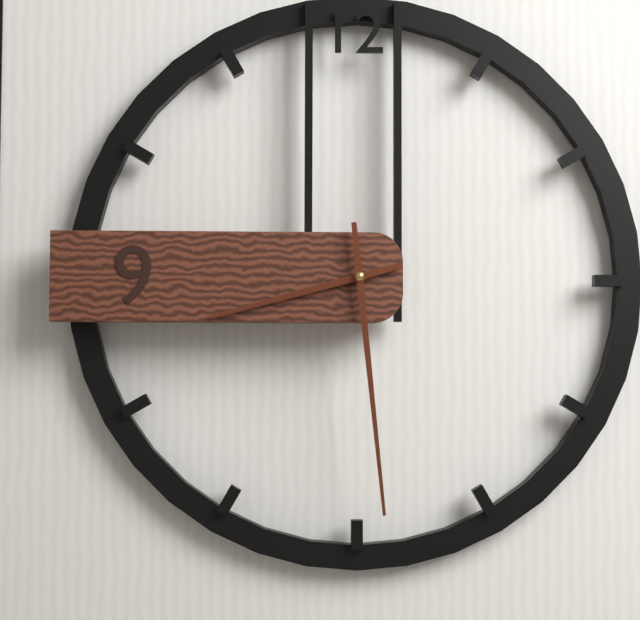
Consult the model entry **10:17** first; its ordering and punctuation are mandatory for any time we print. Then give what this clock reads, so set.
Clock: **8:29**
